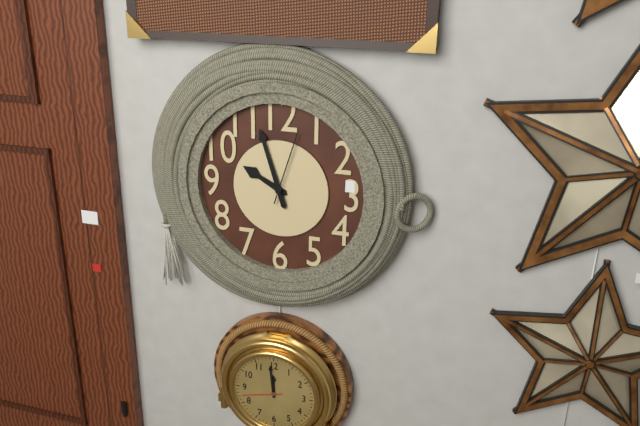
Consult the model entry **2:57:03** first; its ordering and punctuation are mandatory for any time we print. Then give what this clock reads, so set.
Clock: **9:57:03**
